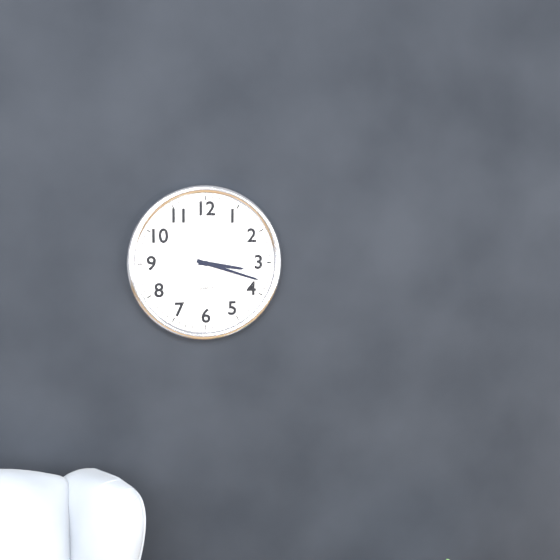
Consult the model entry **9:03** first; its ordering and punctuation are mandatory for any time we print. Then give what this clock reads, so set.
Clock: **3:18**
